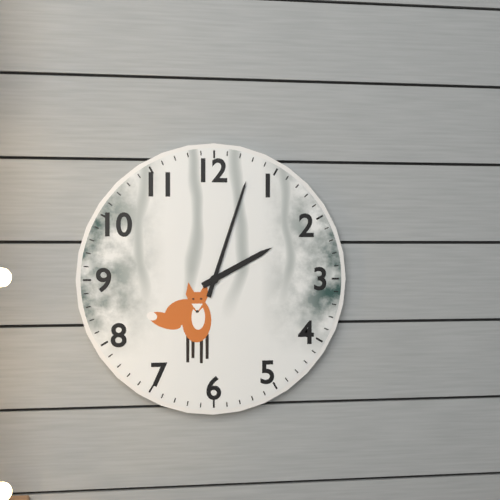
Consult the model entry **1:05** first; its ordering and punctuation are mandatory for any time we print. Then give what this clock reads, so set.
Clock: **2:03**
